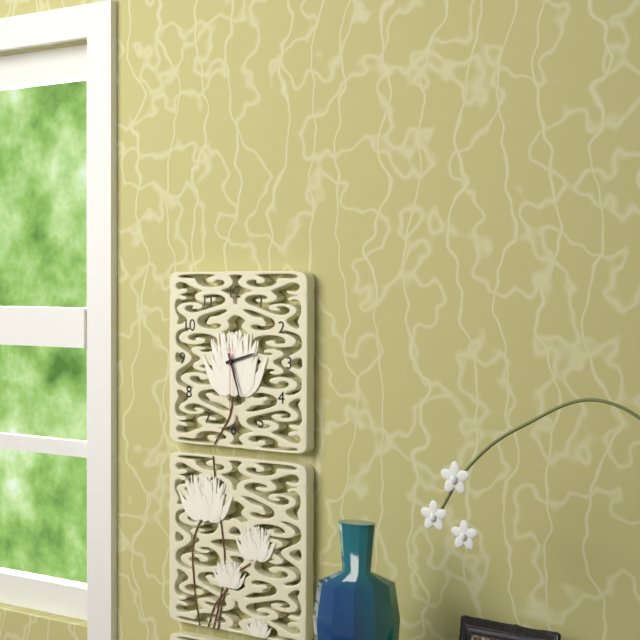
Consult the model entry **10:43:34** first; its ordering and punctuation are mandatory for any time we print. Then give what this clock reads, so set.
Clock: **2:27:30**
